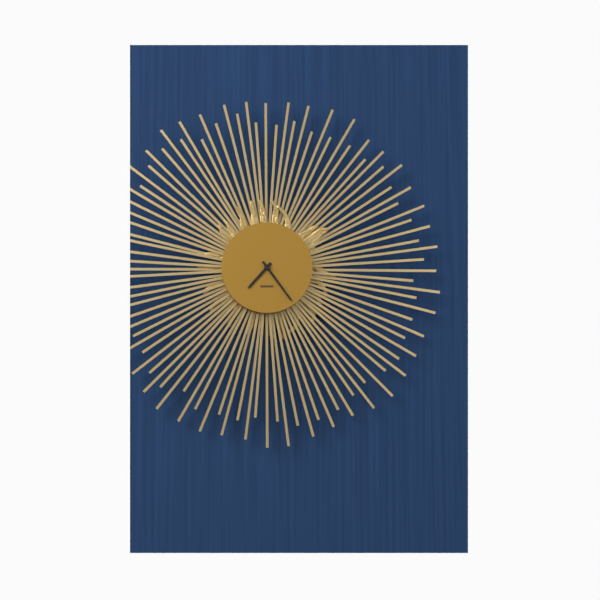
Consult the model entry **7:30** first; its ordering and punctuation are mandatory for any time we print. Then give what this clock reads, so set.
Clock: **7:24**
